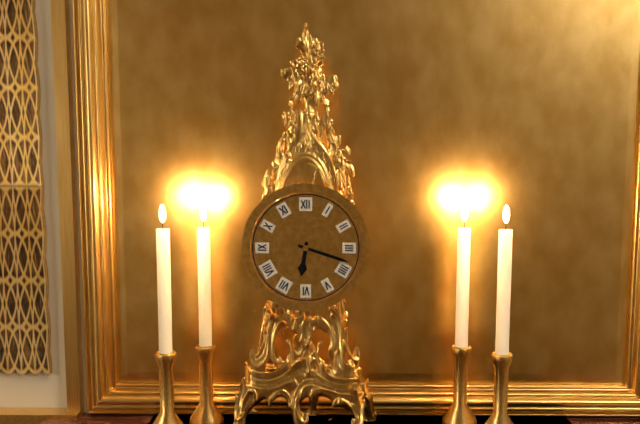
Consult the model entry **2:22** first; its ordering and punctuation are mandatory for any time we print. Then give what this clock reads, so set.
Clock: **6:18**
